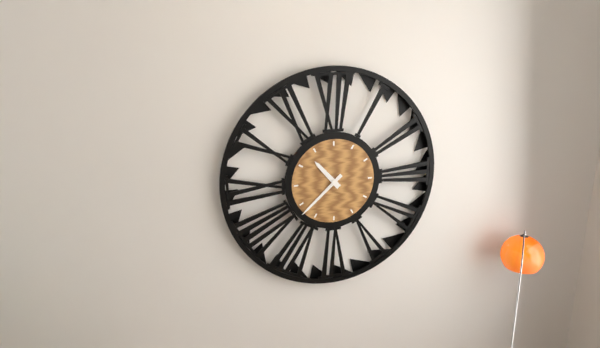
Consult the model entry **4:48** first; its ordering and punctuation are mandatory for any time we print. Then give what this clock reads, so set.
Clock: **10:38**
